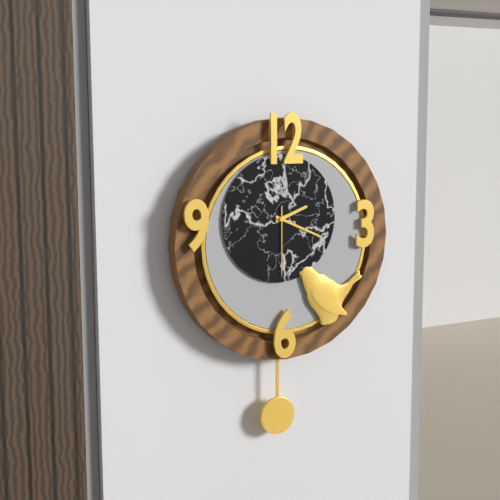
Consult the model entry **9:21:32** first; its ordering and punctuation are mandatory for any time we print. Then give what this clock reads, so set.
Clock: **2:19:30**
